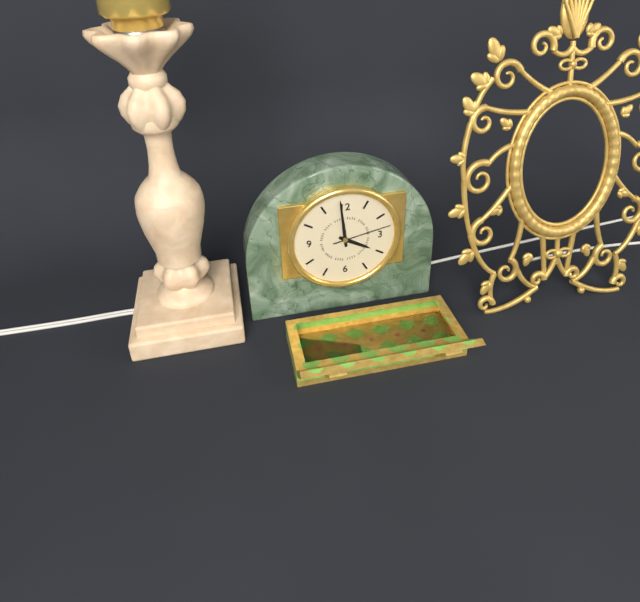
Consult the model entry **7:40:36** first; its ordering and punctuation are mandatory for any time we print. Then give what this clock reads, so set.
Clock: **3:59:13**
